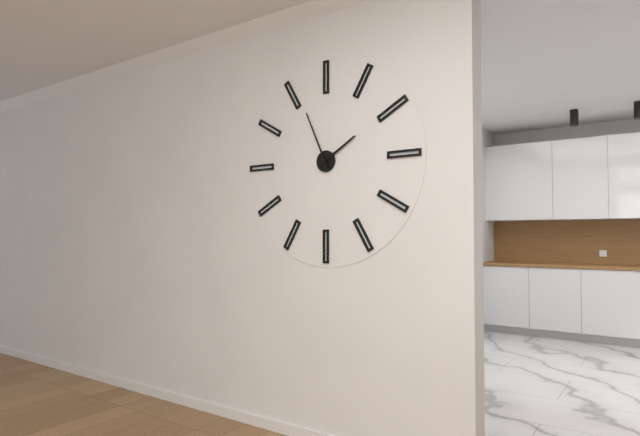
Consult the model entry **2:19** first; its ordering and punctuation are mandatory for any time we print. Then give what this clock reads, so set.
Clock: **1:56**
